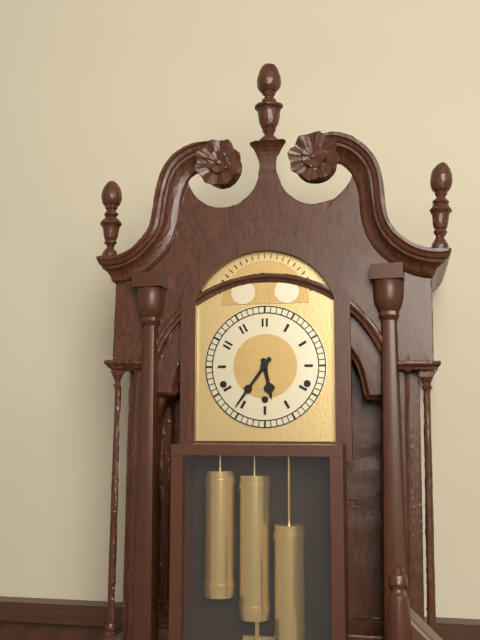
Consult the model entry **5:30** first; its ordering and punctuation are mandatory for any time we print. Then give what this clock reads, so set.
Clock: **5:36**
